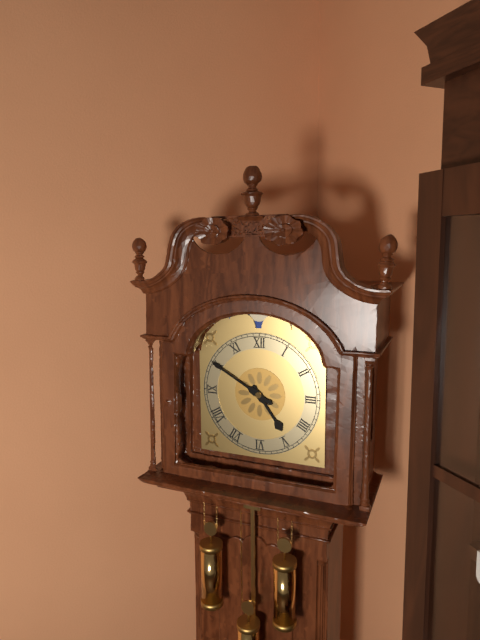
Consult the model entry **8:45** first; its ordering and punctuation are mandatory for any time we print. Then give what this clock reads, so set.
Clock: **4:50**
